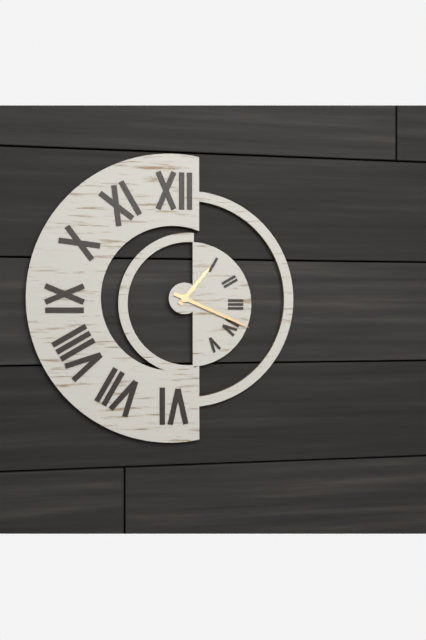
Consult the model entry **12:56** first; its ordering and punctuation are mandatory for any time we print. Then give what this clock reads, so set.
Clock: **1:19**
